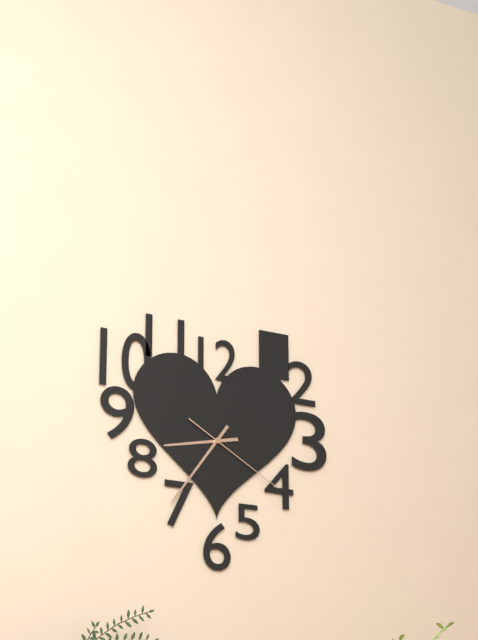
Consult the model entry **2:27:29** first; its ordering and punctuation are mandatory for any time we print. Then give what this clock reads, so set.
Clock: **8:36:20**
